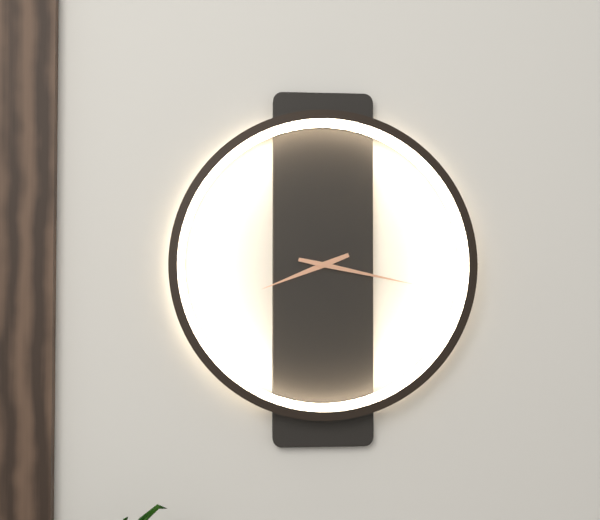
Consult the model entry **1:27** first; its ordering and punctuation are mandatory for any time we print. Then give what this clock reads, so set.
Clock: **8:17**
